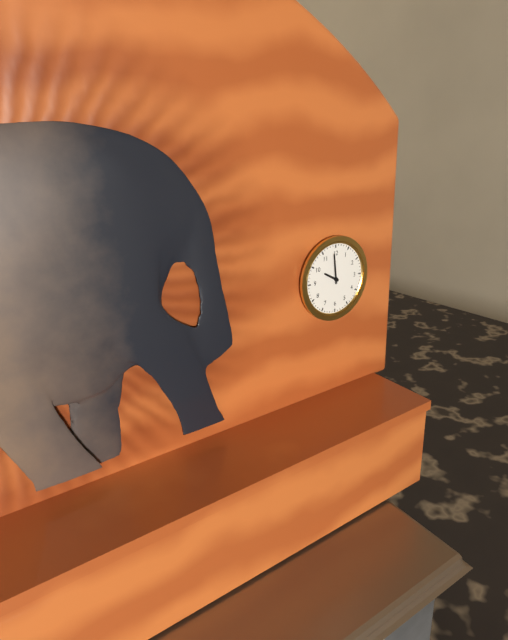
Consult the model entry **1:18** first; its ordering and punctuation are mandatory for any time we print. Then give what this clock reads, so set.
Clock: **9:59**
